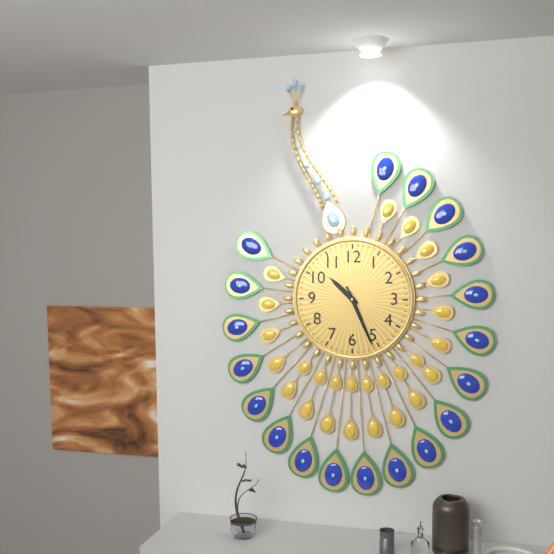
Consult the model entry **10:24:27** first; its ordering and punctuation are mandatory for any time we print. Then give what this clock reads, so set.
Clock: **10:26:26**
